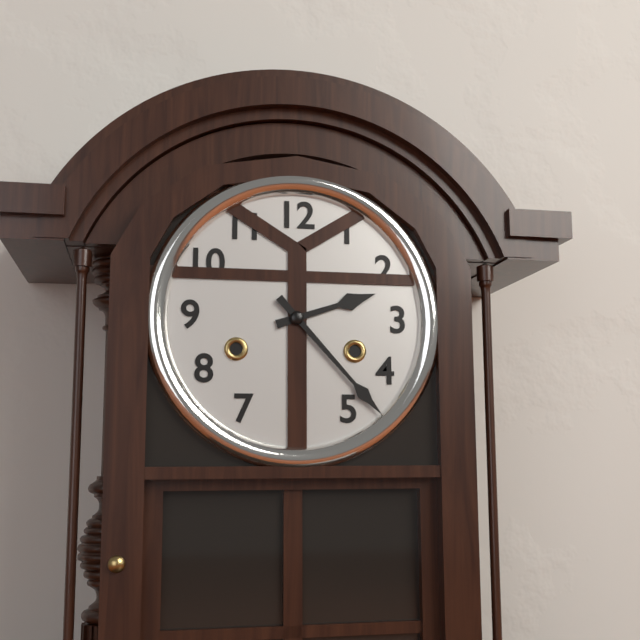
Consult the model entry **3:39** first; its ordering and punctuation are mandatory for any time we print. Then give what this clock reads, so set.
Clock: **2:23**
